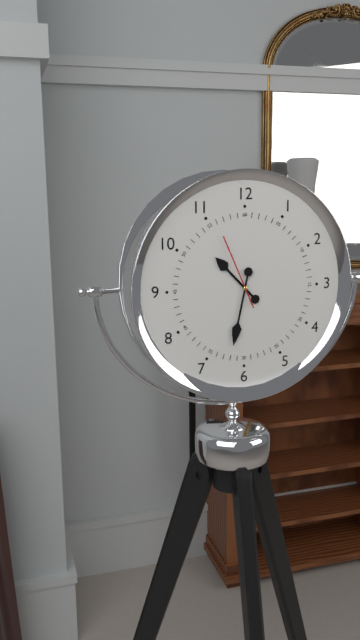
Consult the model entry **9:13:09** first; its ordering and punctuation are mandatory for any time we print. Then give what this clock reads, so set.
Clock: **10:32:56**
